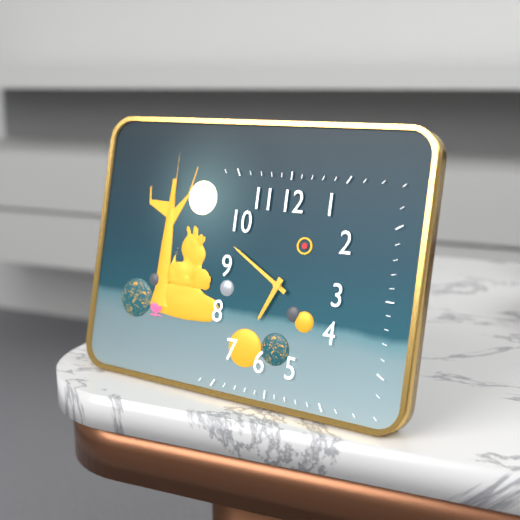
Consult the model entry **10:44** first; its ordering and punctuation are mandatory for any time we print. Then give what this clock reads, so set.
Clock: **6:50**
